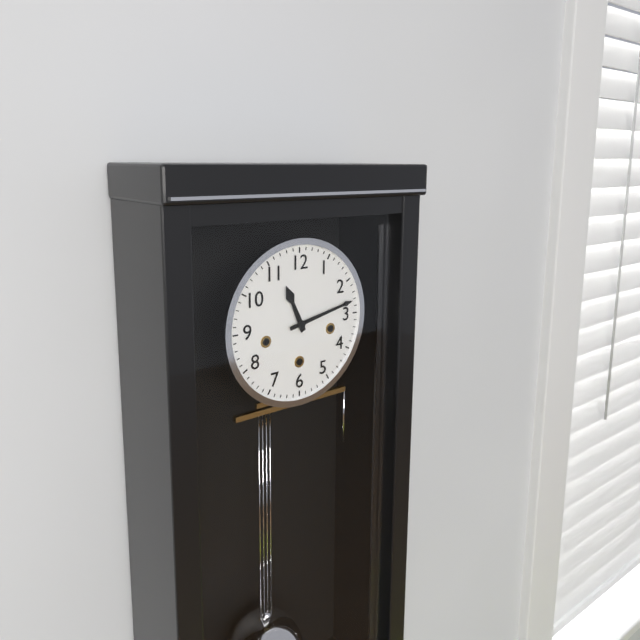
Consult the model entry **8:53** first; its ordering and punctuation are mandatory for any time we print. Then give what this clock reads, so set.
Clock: **11:13**
